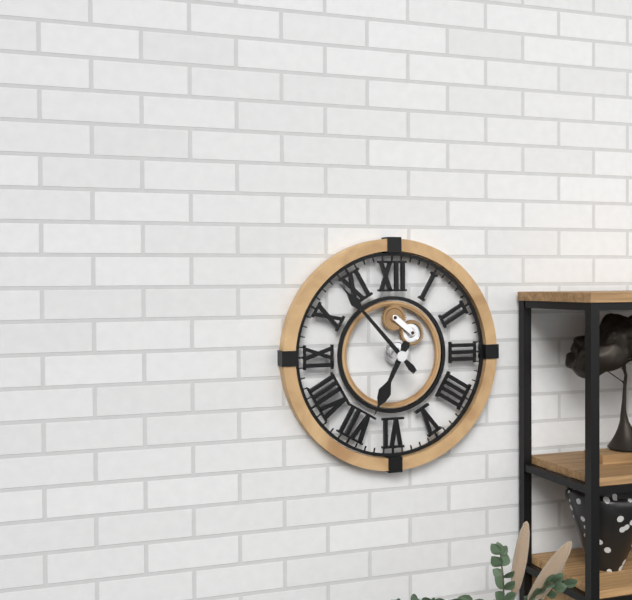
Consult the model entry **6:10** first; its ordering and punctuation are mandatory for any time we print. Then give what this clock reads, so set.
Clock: **6:53**
